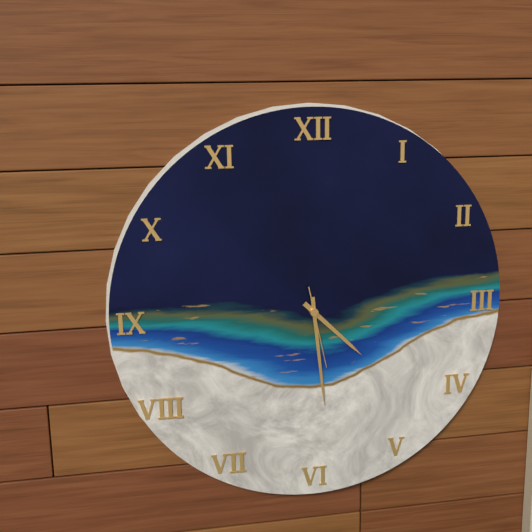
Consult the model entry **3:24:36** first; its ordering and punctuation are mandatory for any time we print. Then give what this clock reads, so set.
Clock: **4:29:28**
